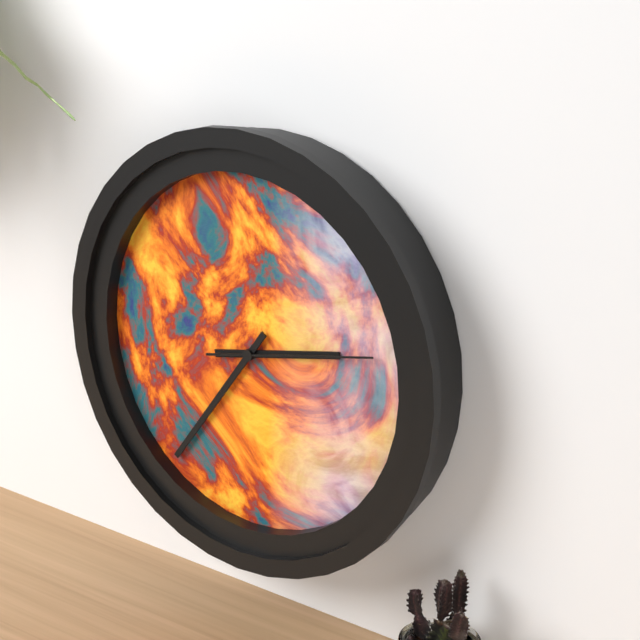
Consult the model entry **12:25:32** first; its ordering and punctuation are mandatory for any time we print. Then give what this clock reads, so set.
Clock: **2:36:13**
